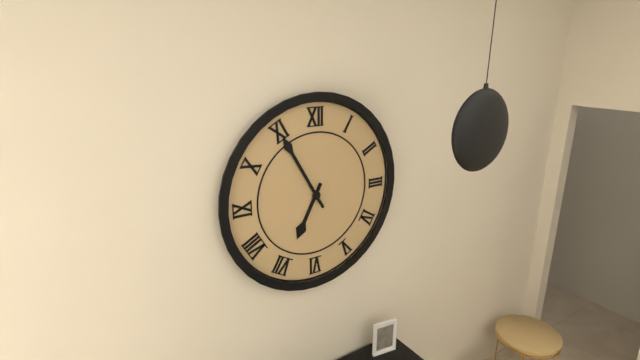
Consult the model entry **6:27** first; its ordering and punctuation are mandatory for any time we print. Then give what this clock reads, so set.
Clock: **6:55**
